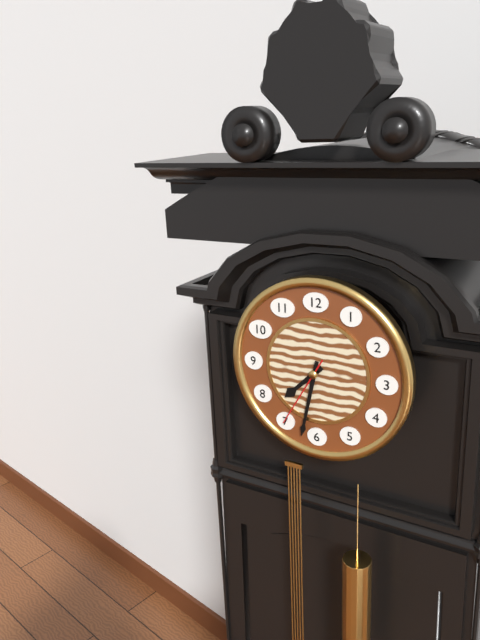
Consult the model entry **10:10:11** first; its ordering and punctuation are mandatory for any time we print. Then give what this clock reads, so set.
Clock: **7:32:35**
